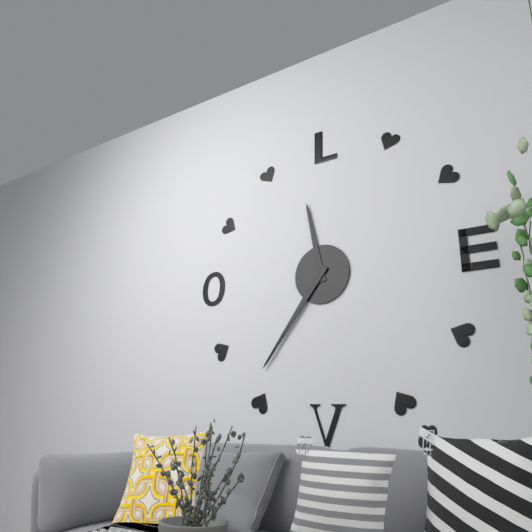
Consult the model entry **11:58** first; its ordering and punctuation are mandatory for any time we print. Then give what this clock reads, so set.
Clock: **11:36**
